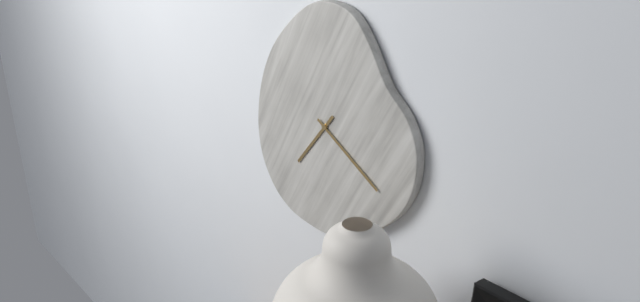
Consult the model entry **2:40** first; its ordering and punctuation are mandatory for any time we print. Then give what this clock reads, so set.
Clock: **7:20**
